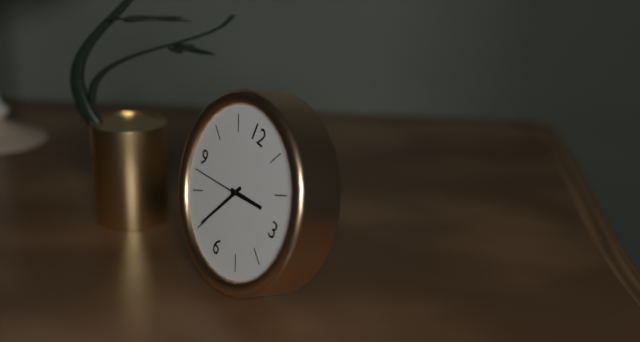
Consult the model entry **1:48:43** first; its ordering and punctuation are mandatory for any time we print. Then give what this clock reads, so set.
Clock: **2:35:43**
